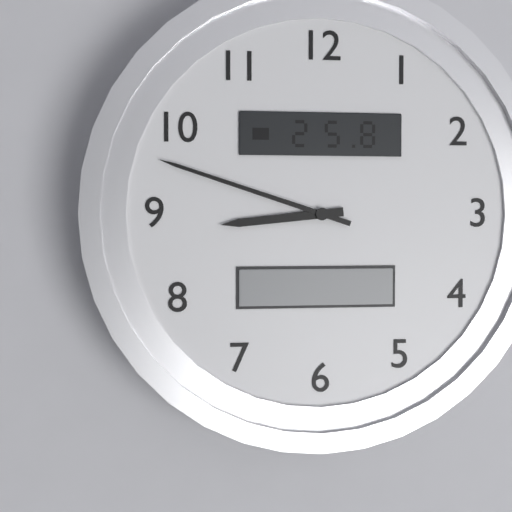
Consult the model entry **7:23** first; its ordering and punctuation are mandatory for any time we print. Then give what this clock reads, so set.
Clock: **8:48**
